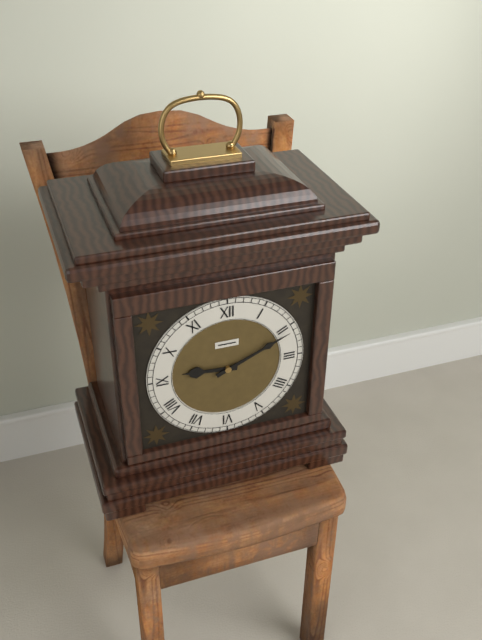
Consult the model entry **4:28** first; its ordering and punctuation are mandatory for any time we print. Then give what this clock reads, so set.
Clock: **9:11**
